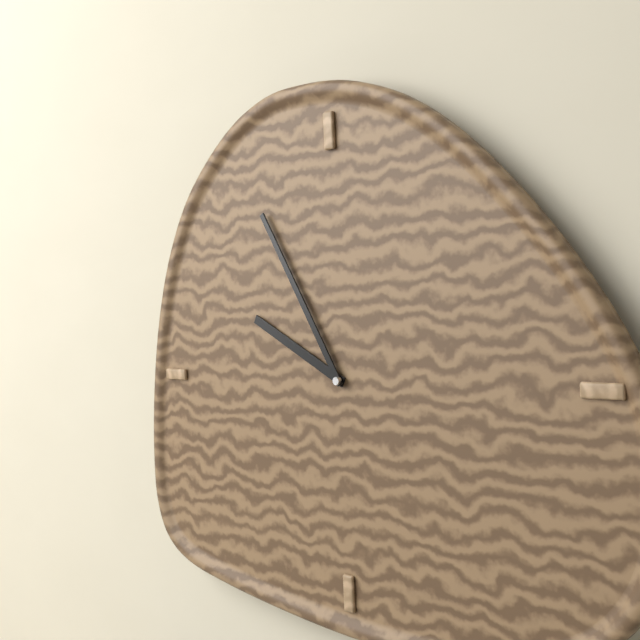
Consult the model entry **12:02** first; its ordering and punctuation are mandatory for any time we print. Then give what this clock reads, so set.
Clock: **9:55**
